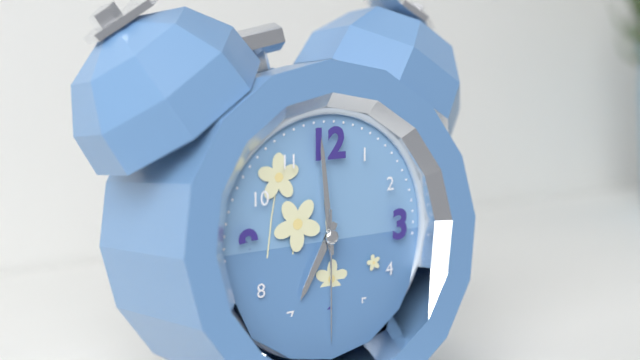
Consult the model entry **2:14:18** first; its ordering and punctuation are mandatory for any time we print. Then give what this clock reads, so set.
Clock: **6:59:30**
